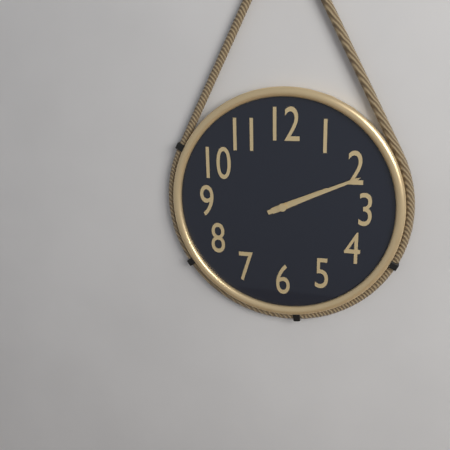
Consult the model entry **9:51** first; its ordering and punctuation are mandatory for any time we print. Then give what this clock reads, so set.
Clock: **2:11**
